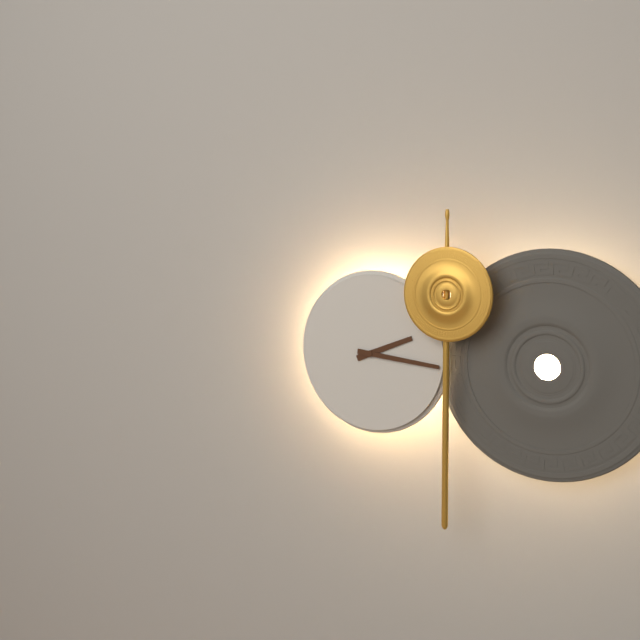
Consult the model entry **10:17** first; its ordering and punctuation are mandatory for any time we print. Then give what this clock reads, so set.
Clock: **2:16**
